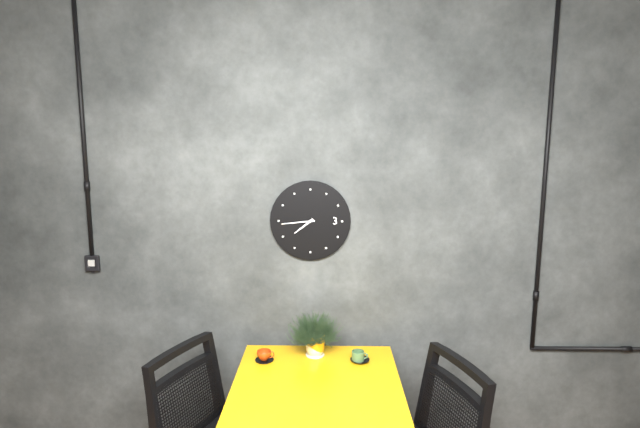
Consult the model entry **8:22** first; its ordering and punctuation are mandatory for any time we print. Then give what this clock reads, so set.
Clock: **7:44**
